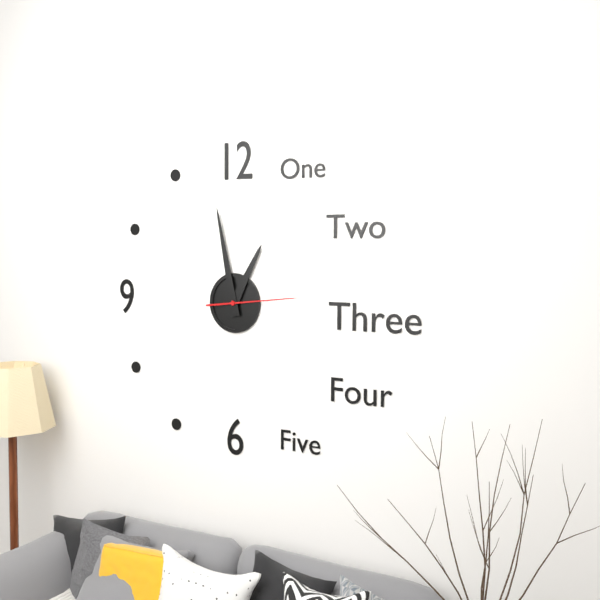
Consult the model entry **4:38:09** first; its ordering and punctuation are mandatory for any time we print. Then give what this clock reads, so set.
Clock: **12:58:14**
